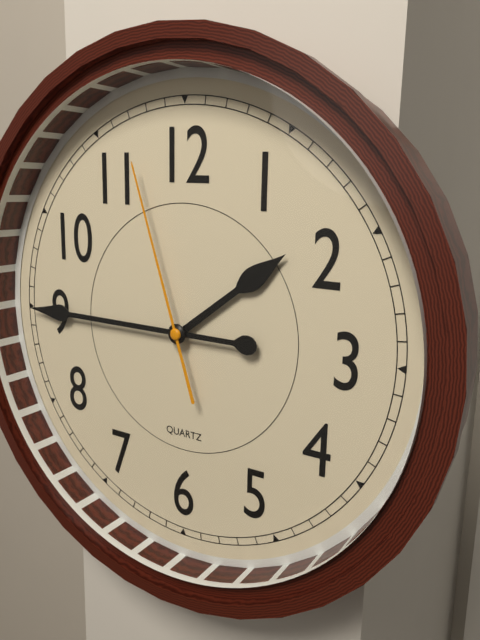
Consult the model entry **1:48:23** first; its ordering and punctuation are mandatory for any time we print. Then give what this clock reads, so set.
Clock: **1:45:57**
